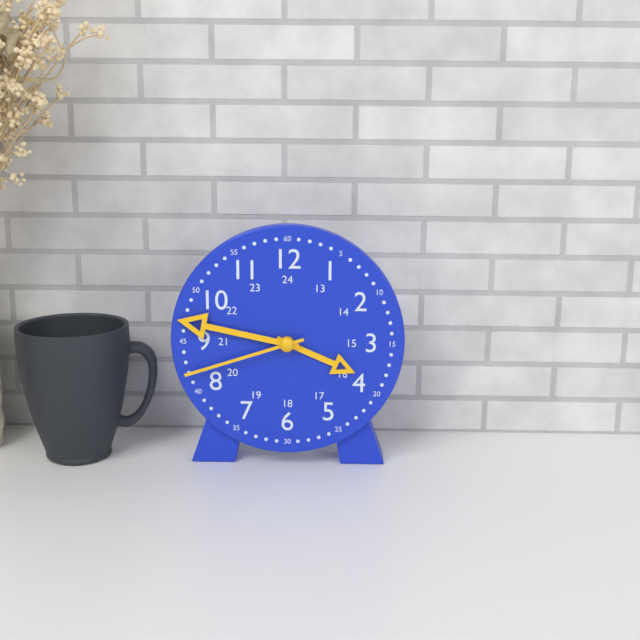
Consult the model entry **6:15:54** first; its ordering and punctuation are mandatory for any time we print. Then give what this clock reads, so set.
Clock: **3:47:42**
